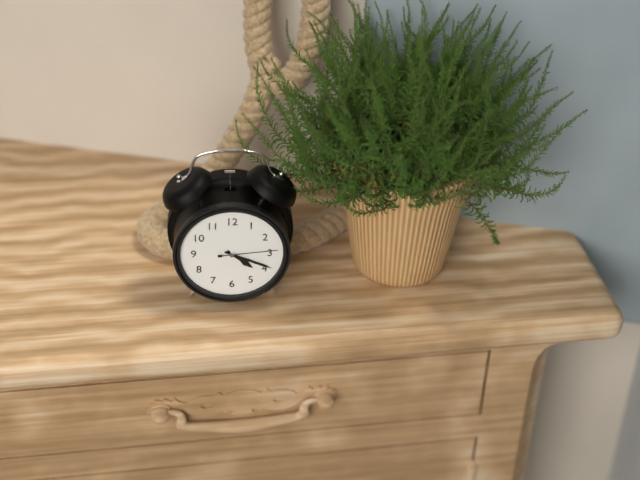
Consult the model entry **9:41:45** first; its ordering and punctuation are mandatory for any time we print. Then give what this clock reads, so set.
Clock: **4:19:14**
